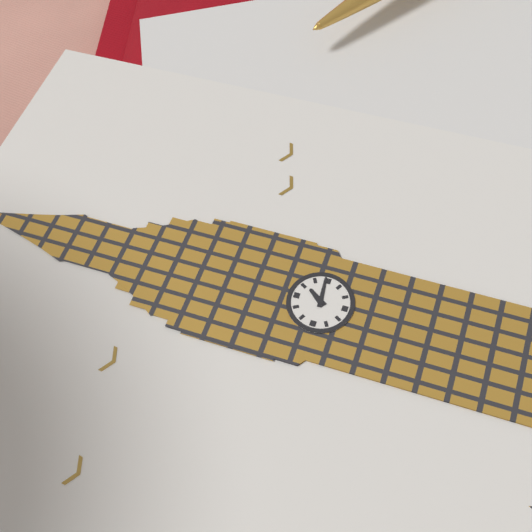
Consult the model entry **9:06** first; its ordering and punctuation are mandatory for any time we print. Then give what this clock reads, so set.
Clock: **1:14**
